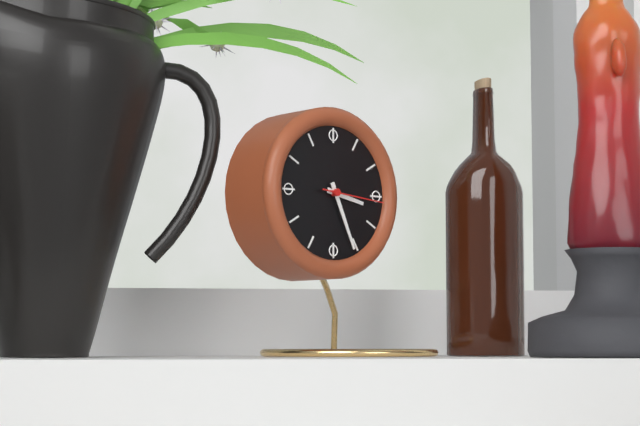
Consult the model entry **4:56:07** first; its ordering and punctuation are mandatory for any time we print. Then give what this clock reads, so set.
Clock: **3:26:16**
